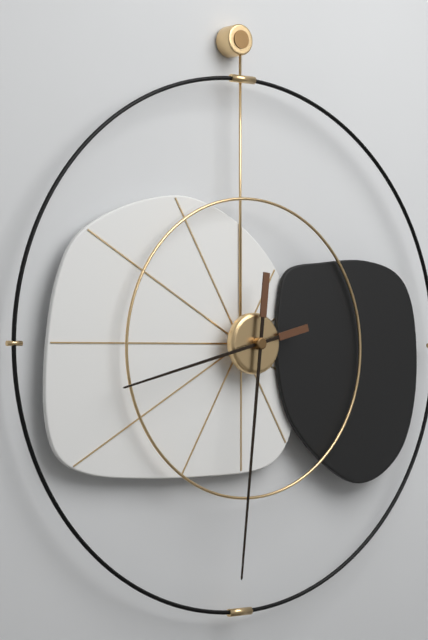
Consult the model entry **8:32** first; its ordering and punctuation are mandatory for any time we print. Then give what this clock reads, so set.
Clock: **8:31**
